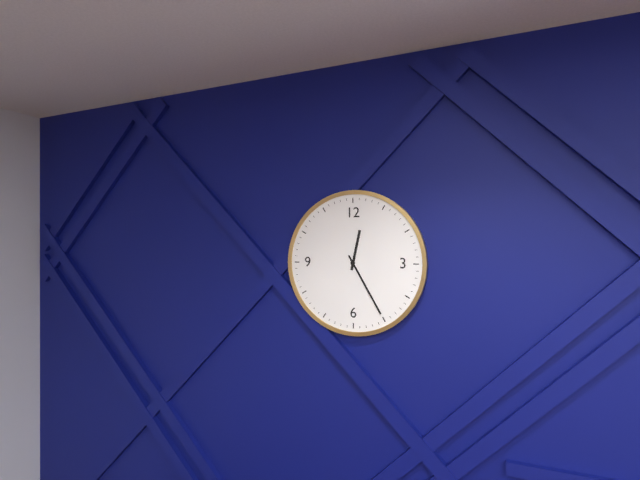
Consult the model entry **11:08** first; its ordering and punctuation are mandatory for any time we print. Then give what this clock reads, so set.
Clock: **12:25**
